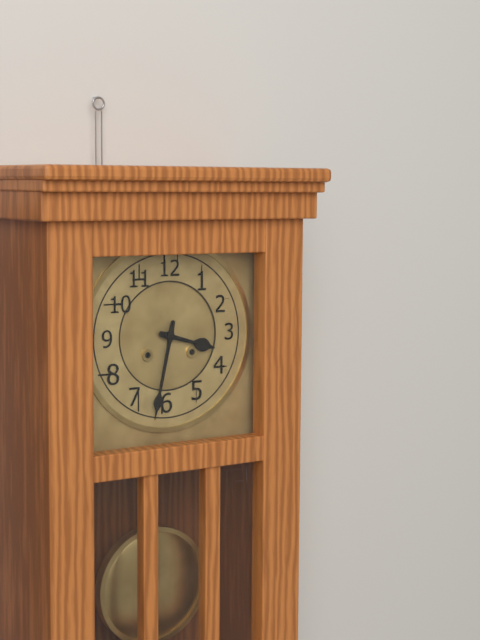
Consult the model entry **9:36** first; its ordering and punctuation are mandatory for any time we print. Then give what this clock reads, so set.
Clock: **3:32**
